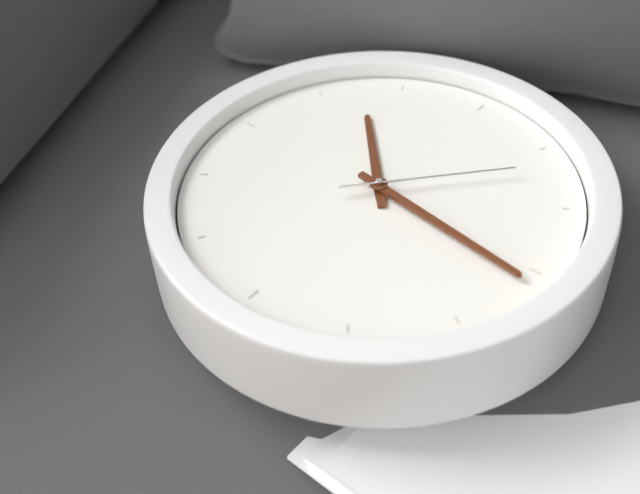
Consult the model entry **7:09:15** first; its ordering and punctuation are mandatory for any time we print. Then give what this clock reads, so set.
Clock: **1:31:22**
